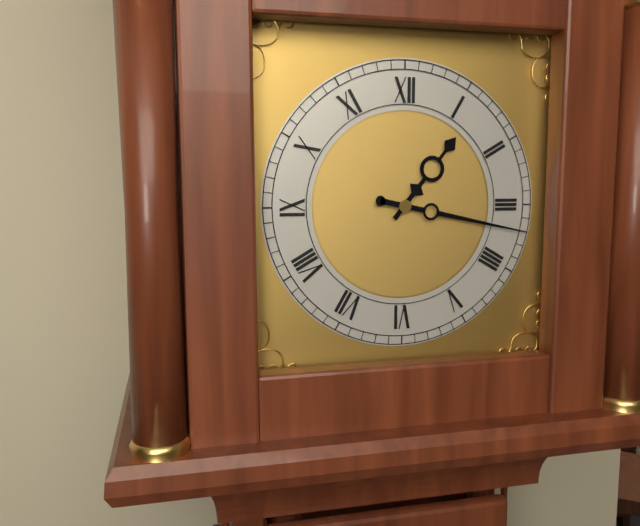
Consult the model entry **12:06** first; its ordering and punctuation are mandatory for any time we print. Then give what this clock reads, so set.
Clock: **1:17**
